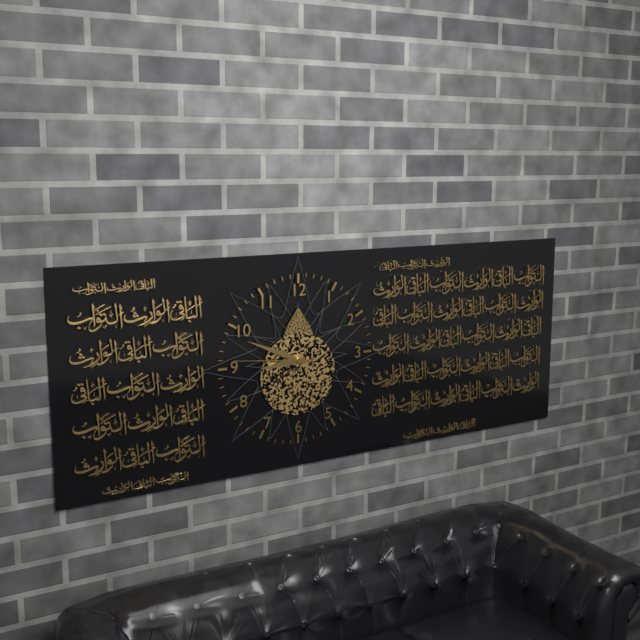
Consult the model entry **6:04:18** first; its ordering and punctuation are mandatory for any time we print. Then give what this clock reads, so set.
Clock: **8:49:46**
